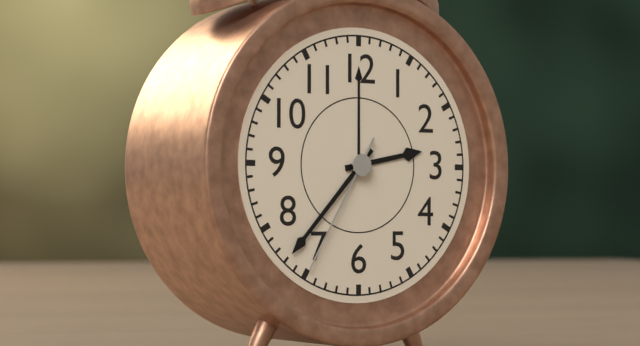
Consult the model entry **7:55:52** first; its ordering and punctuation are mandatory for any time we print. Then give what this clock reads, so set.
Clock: **2:37:35**
